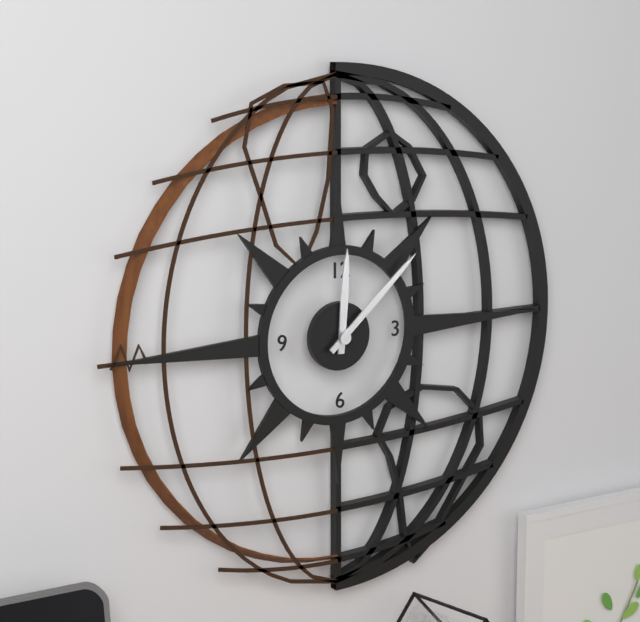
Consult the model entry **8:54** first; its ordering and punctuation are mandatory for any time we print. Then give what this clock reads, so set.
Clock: **12:08**
